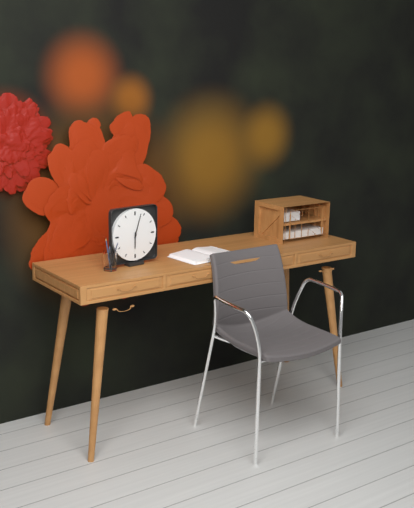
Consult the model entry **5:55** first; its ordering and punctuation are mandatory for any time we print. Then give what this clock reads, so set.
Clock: **6:03**
